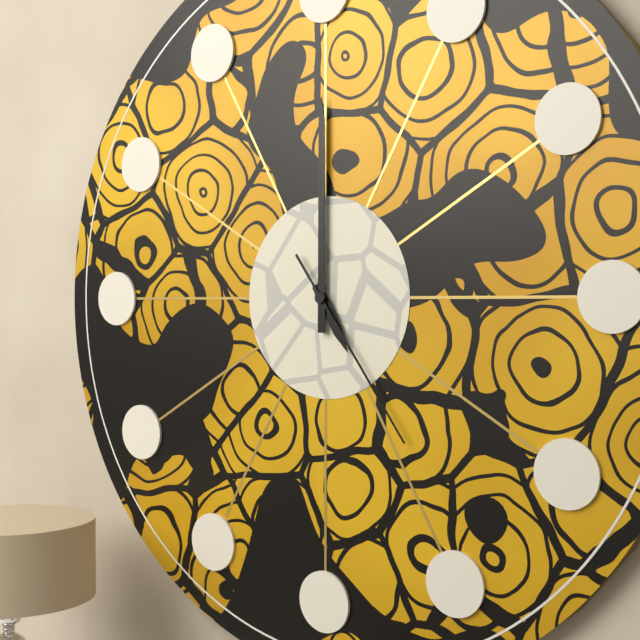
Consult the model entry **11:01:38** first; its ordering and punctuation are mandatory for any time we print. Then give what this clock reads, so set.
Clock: **5:00:24**
